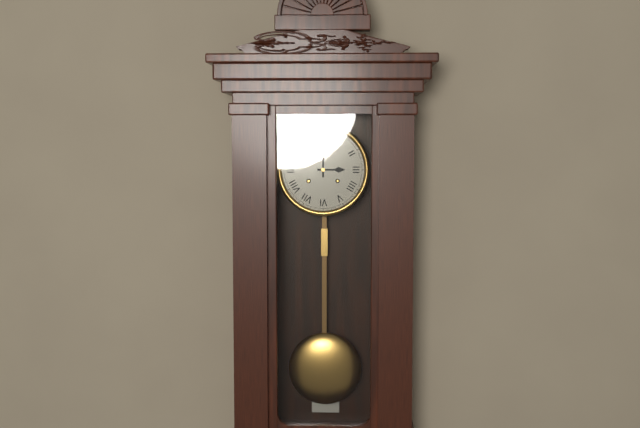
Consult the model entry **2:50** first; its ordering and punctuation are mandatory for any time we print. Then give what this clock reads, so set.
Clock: **3:00**
